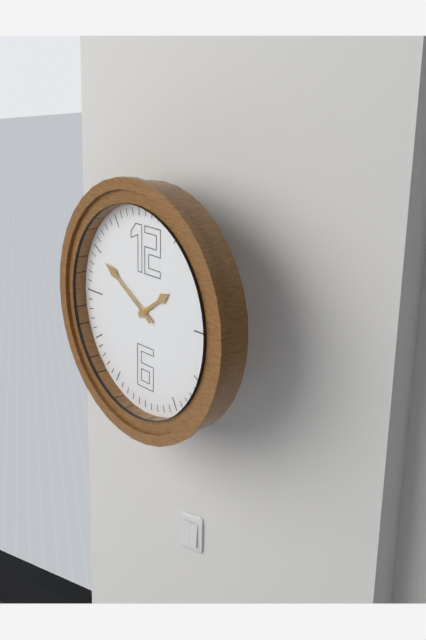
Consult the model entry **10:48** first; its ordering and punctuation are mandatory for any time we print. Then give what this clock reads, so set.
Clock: **1:50**
